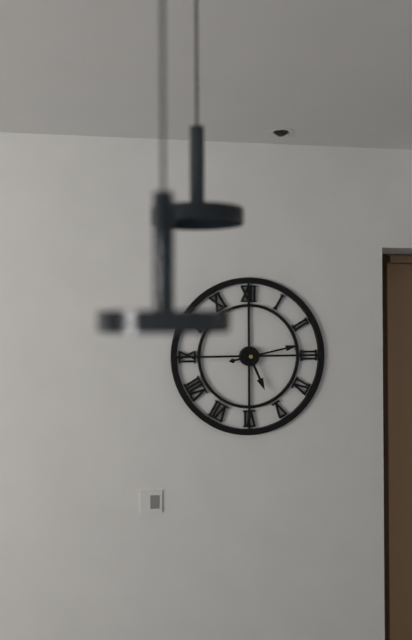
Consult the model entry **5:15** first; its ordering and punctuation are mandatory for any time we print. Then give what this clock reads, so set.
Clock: **5:13**
